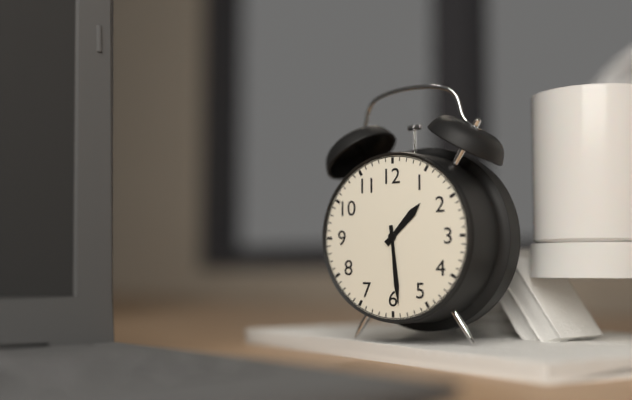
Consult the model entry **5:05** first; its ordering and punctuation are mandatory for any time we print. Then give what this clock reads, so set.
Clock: **1:29**
